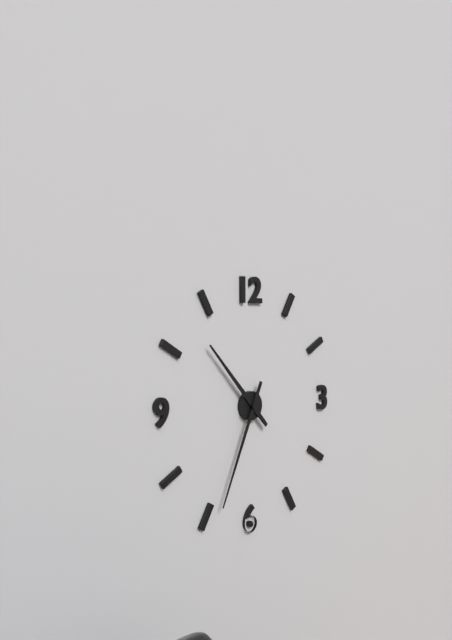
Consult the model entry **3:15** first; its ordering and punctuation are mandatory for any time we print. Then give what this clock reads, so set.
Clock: **10:34**
